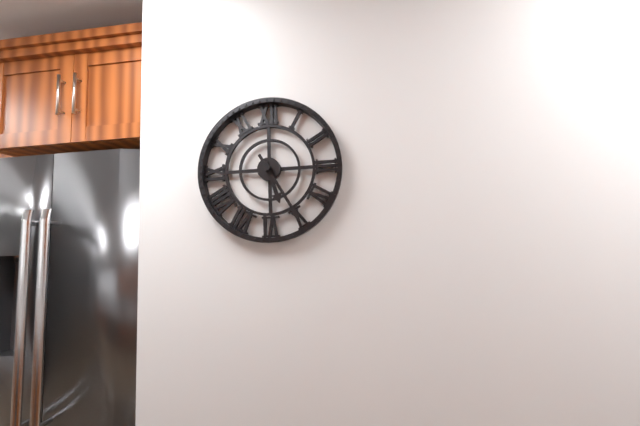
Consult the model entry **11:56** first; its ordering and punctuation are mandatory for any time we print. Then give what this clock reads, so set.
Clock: **5:25**
